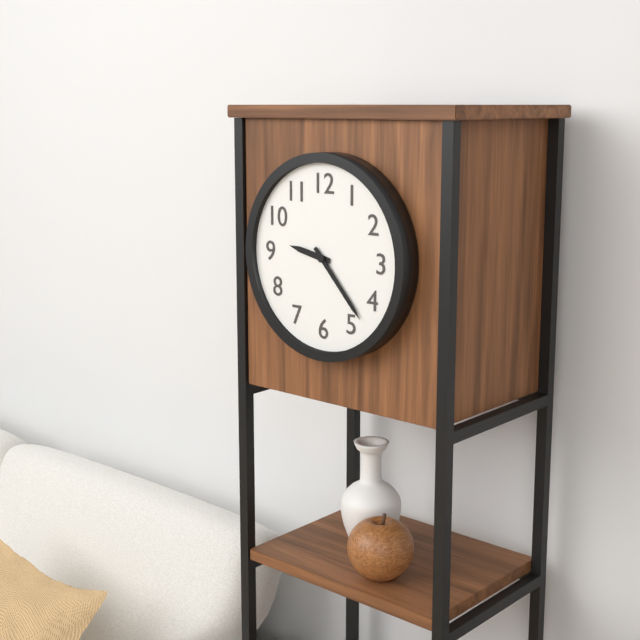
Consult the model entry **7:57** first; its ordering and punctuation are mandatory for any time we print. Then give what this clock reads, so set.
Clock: **9:23**
